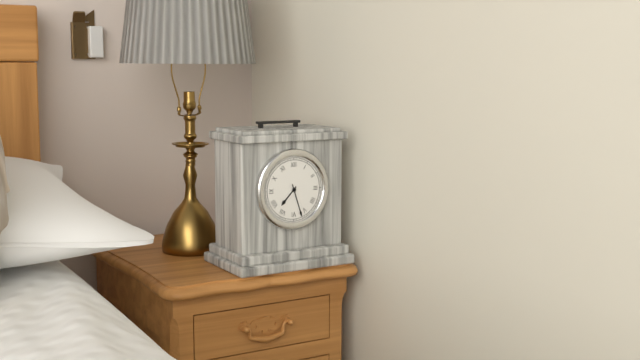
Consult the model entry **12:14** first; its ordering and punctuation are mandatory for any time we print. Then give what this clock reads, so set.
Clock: **7:27**
